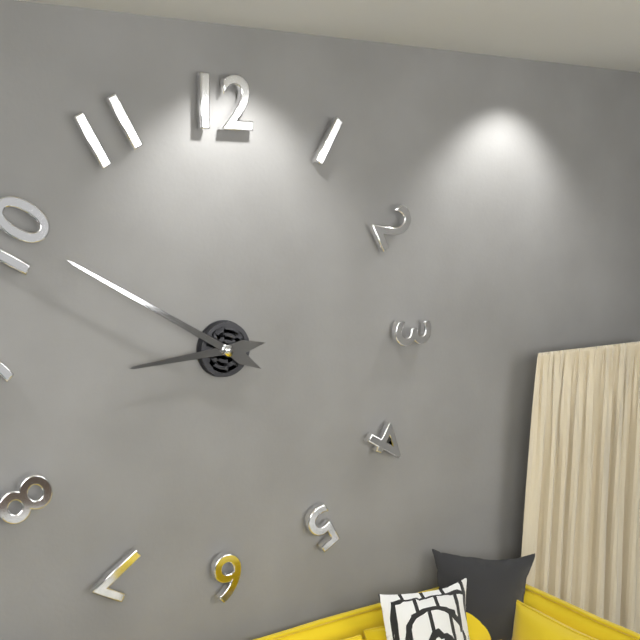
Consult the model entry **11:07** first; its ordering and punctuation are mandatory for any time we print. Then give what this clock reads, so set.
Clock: **8:50**
